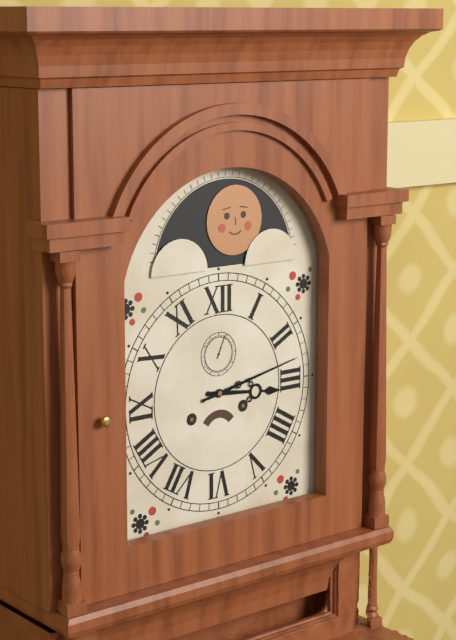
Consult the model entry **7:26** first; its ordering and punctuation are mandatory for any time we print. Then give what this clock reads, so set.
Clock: **3:13**
